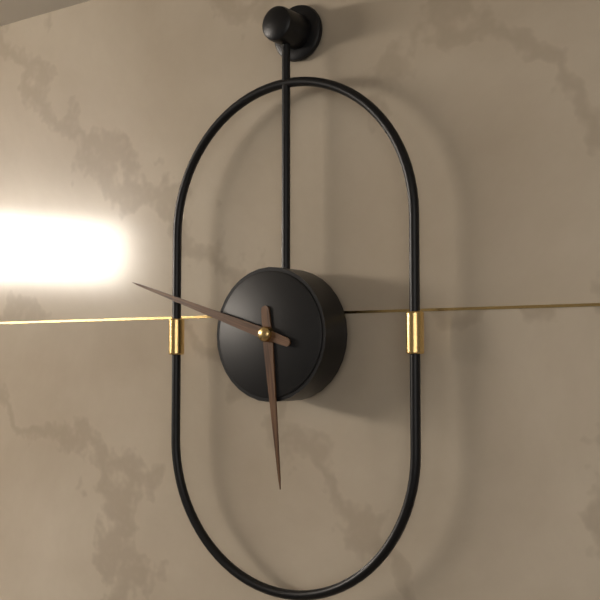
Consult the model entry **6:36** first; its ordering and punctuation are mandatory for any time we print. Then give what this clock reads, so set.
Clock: **5:48**
